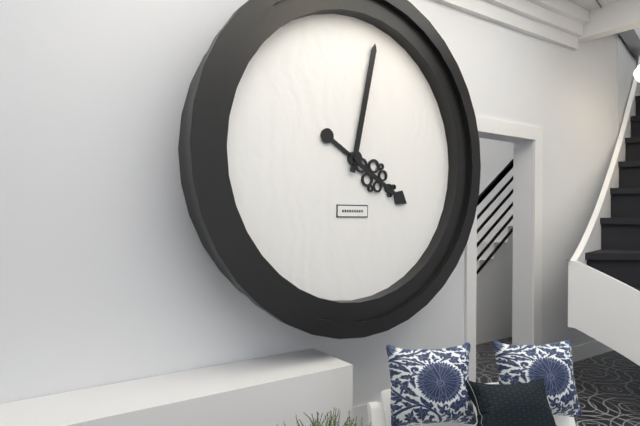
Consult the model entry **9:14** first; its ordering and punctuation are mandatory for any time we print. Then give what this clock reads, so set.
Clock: **4:02**
